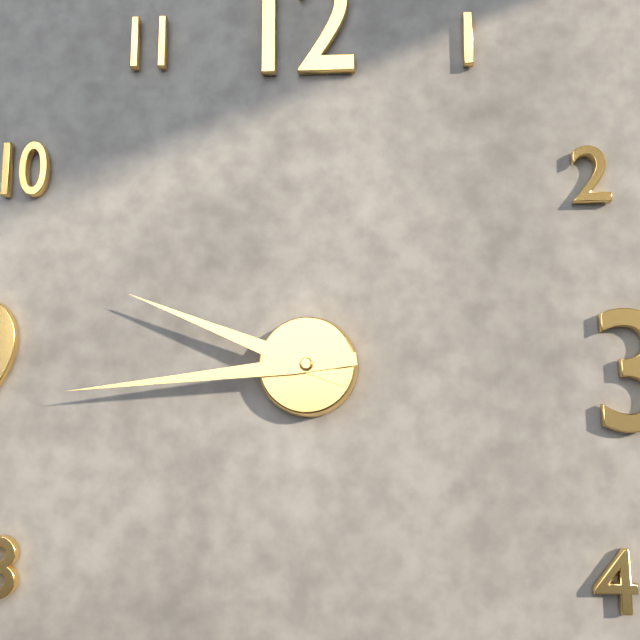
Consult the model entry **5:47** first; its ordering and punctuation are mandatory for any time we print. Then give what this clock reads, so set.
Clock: **9:44**
